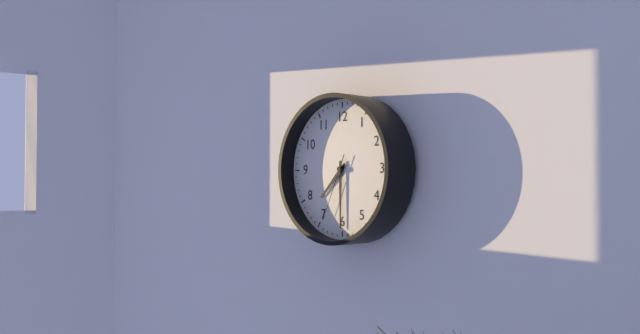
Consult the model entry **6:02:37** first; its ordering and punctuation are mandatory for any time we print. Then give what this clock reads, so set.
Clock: **7:30:34**
